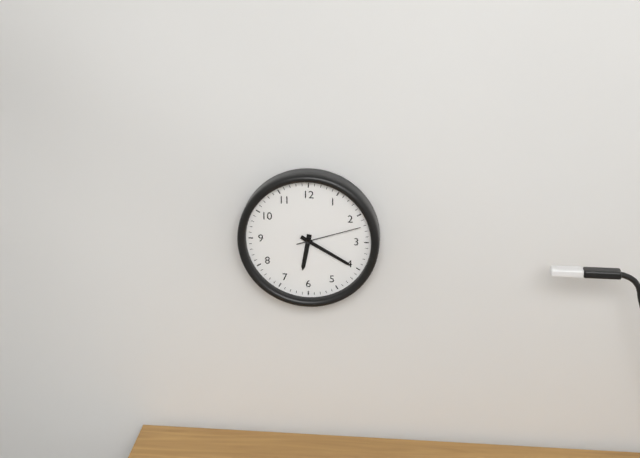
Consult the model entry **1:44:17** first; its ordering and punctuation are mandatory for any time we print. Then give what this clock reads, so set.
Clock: **6:20:12**
